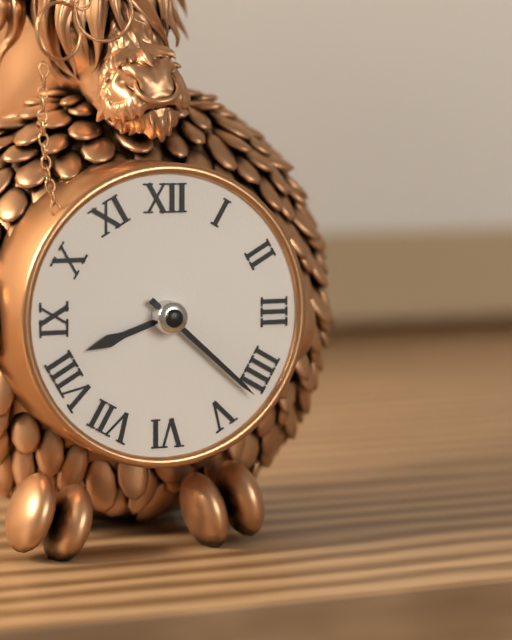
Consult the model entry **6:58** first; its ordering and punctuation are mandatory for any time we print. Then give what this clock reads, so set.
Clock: **8:22**
